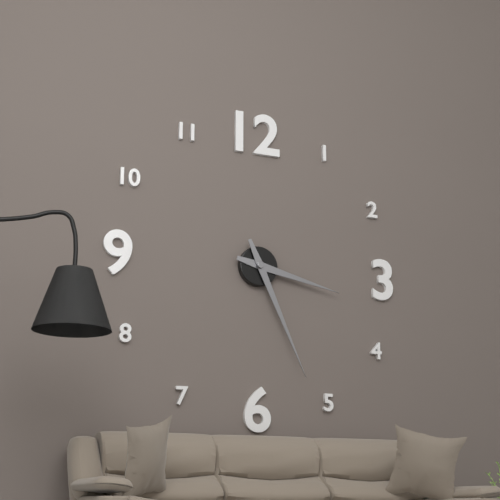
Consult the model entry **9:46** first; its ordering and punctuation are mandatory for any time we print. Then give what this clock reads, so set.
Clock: **3:26**
